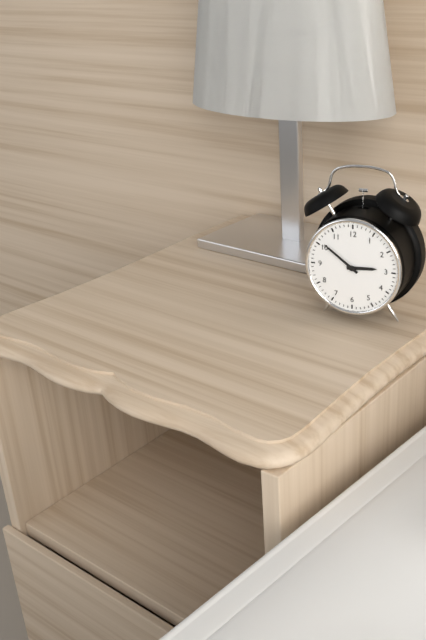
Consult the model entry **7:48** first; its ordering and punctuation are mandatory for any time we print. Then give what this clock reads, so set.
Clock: **2:51**
